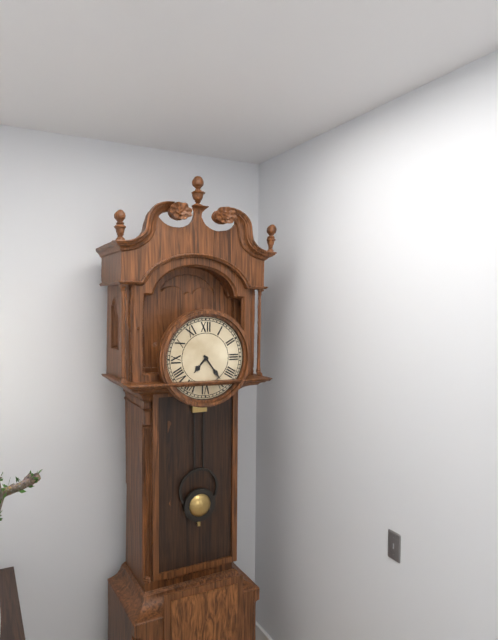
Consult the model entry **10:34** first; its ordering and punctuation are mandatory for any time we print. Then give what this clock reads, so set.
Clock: **7:24**
